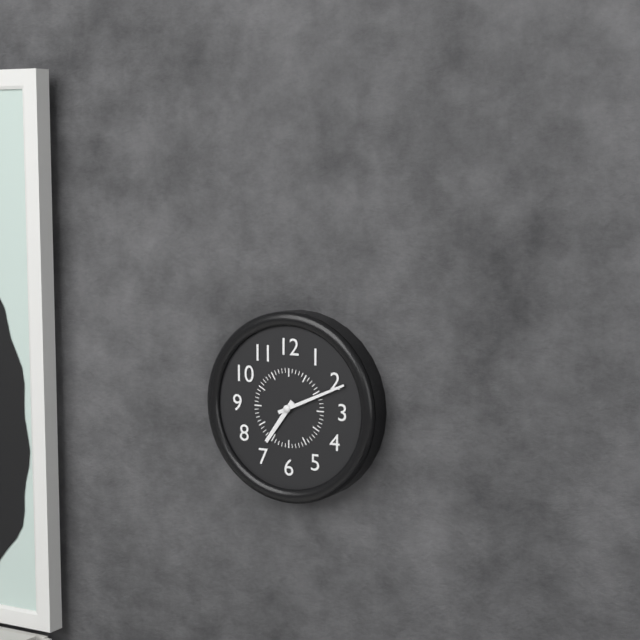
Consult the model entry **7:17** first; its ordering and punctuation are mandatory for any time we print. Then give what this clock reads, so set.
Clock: **7:11**
